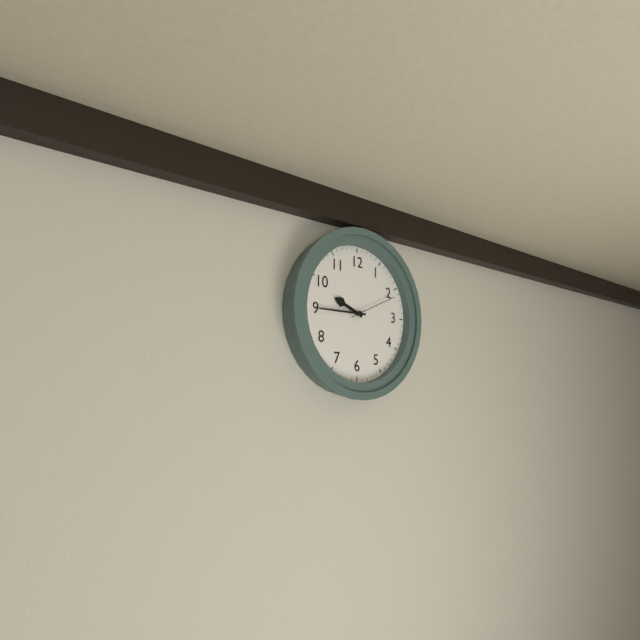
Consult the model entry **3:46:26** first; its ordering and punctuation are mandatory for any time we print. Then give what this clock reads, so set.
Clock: **9:45:11**
